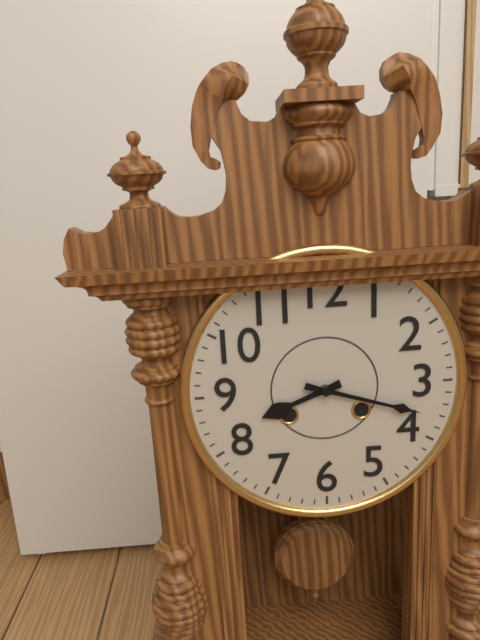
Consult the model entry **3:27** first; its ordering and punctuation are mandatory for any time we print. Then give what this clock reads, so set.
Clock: **8:18**
